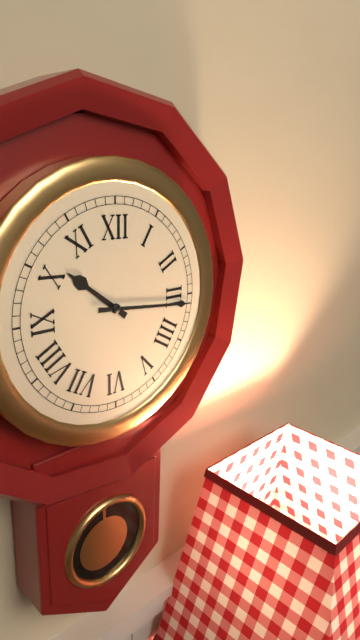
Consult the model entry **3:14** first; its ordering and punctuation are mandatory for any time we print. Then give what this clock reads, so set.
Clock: **10:16**
